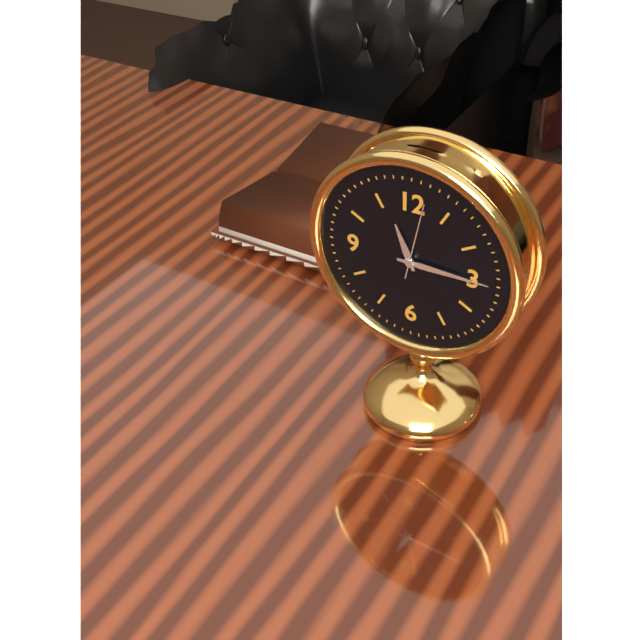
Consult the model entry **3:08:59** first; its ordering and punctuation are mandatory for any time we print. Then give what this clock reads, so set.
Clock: **11:15:02**
